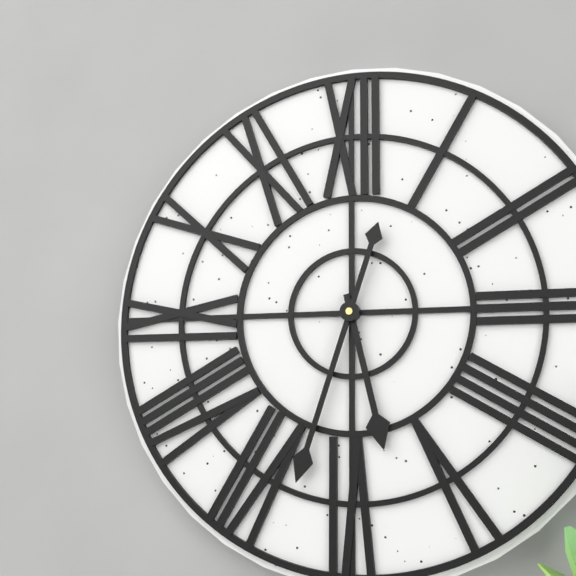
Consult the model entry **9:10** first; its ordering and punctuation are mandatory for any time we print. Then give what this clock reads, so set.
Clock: **5:33**
